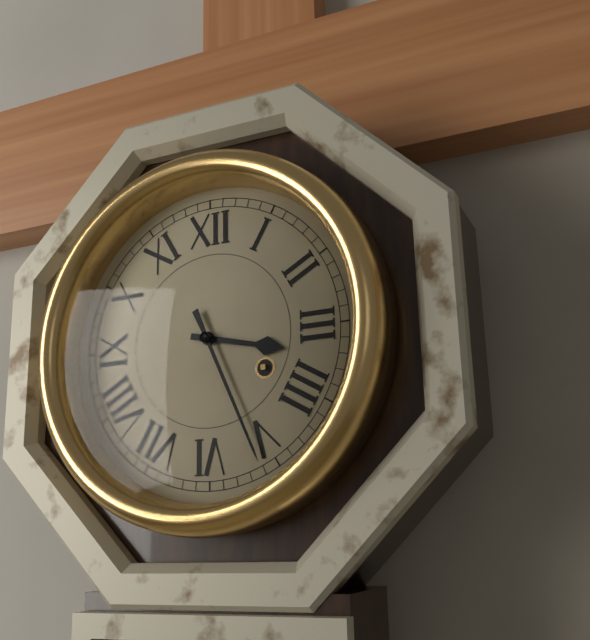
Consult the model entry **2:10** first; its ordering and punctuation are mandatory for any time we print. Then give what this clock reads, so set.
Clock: **3:26**
